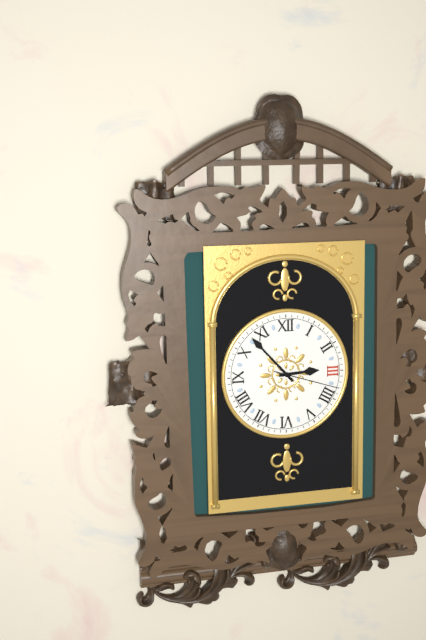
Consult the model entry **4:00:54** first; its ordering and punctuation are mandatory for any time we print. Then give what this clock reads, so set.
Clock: **2:53:18**
